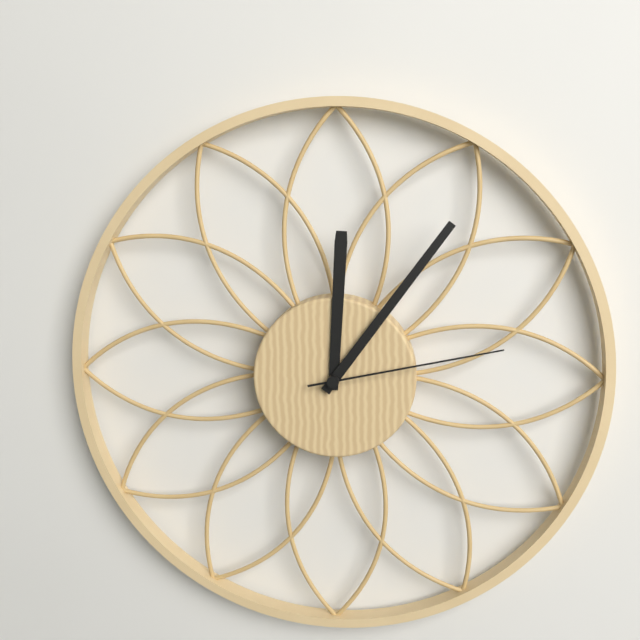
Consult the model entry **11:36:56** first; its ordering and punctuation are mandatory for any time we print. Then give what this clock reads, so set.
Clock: **12:06:13**
